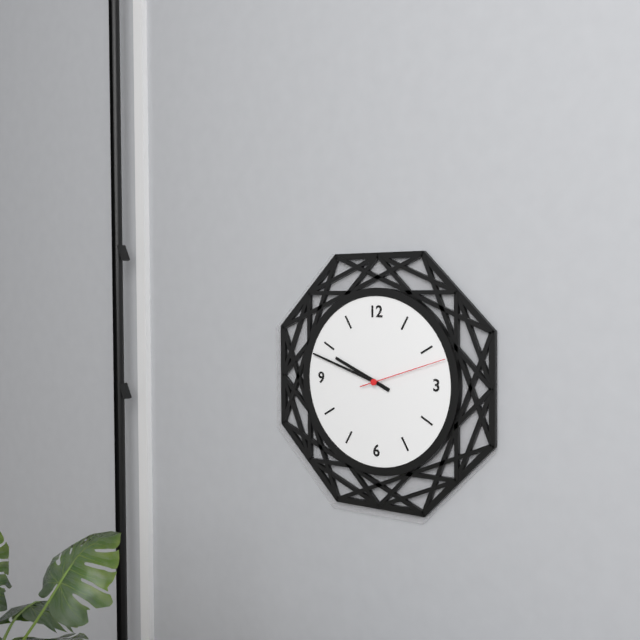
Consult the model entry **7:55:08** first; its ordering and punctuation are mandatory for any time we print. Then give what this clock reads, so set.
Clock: **9:48:12**
